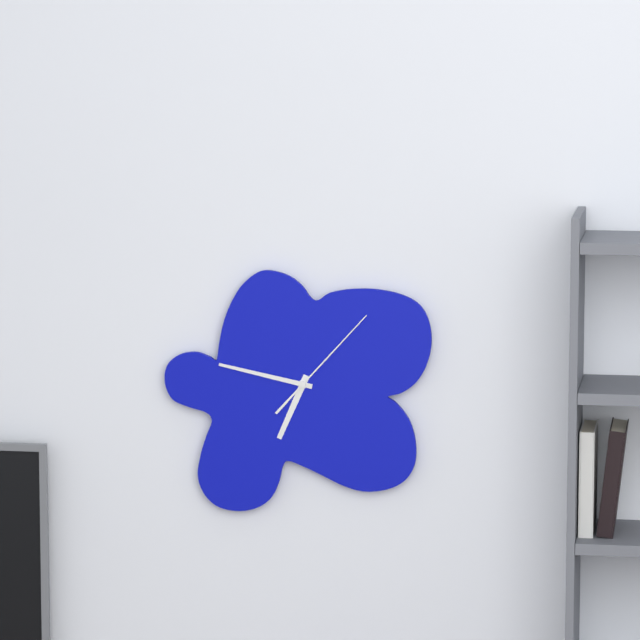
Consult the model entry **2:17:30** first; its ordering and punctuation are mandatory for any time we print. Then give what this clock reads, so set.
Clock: **6:47:07**
